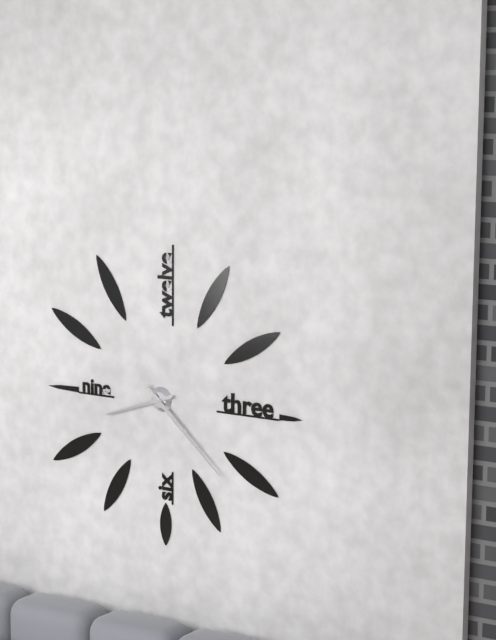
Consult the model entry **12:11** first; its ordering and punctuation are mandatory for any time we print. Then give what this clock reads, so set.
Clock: **8:22**
